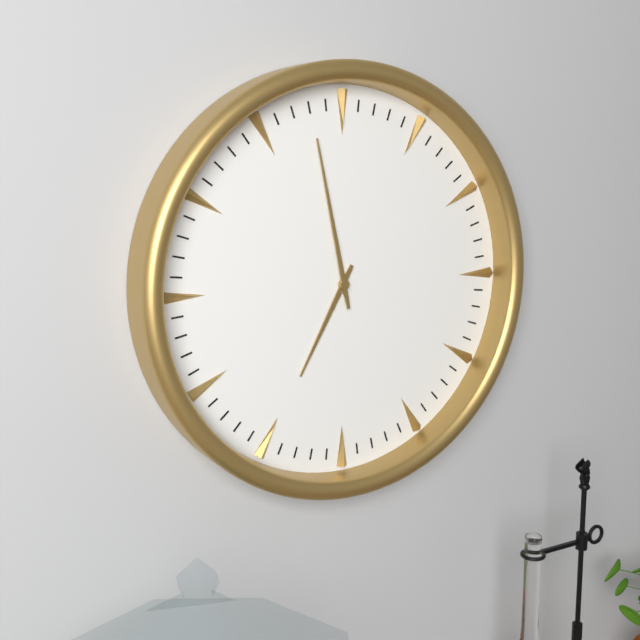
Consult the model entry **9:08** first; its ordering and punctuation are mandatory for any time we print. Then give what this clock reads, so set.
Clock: **6:58**
